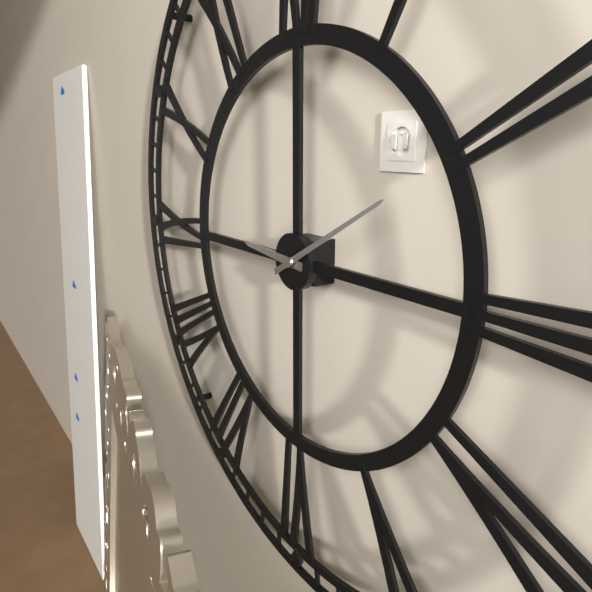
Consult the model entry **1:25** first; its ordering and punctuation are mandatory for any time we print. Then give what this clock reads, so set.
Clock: **9:10**
